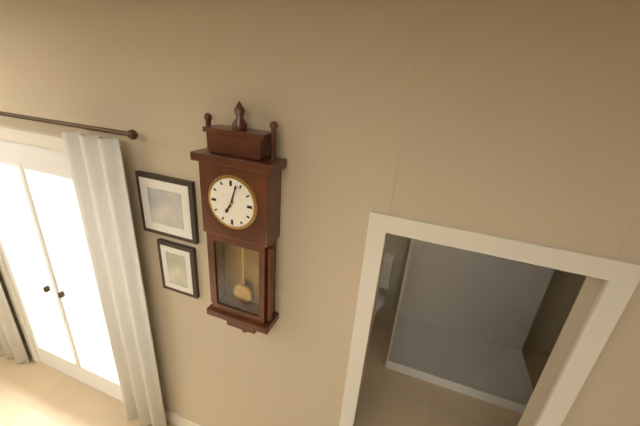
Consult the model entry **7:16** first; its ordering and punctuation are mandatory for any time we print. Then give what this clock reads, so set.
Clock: **7:03**
